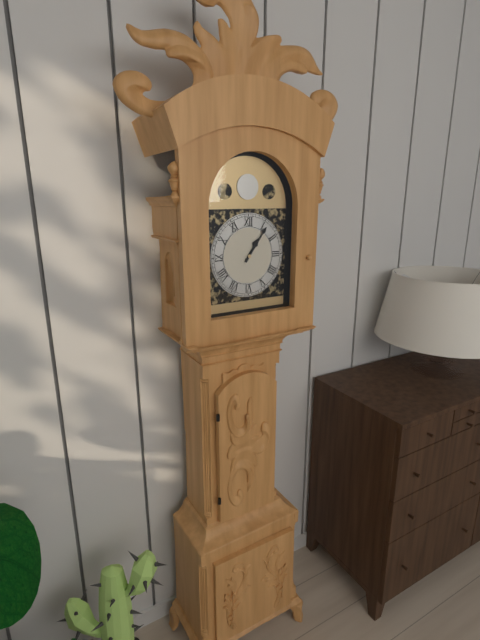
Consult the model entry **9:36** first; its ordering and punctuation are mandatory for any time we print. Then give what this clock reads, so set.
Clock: **1:06**
